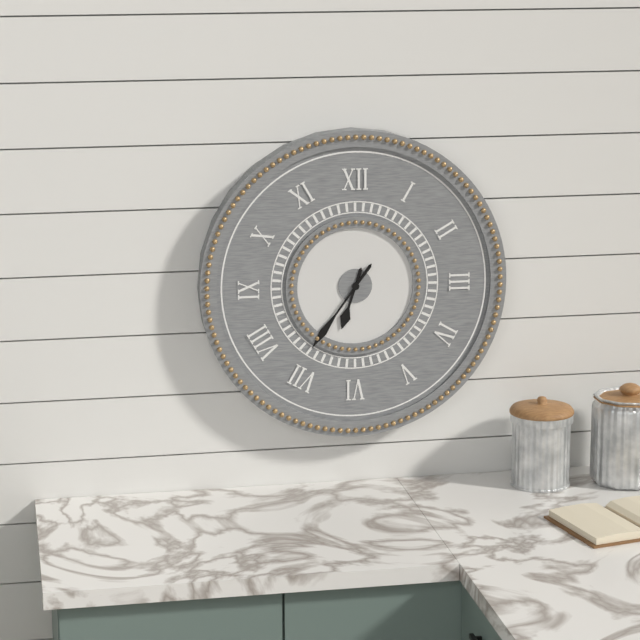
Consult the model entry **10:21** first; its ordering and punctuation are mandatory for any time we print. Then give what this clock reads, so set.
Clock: **6:36**
